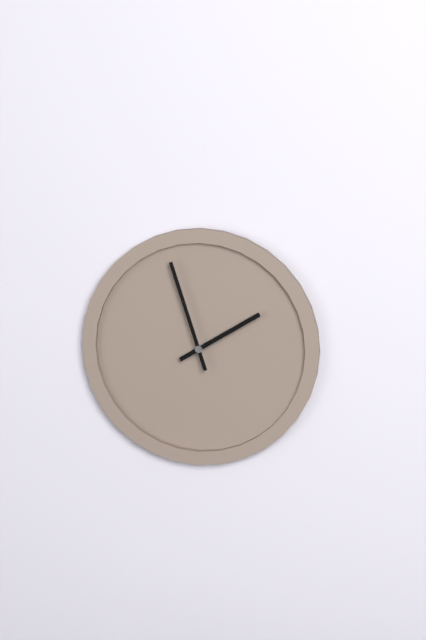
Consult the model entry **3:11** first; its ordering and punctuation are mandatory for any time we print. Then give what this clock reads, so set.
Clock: **1:57**
